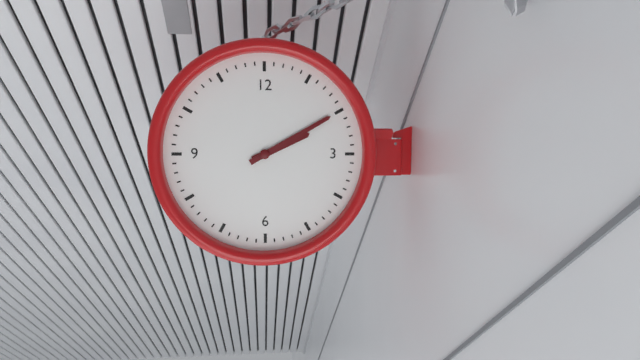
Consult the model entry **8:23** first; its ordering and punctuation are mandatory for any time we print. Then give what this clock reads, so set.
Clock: **2:10**
